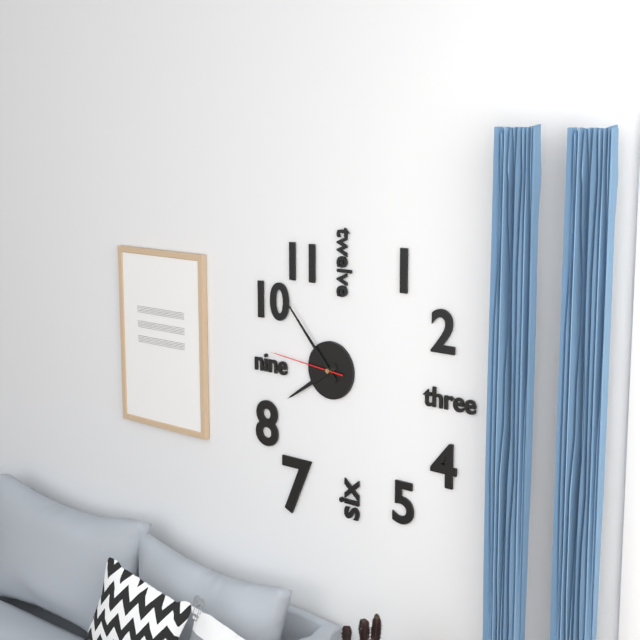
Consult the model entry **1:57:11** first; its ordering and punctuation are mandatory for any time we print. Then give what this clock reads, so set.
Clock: **7:53:46**
